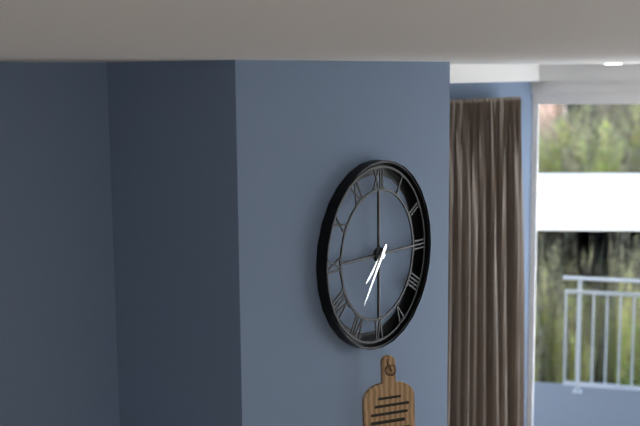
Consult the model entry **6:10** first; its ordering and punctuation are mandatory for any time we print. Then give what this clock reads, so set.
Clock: **7:36**
